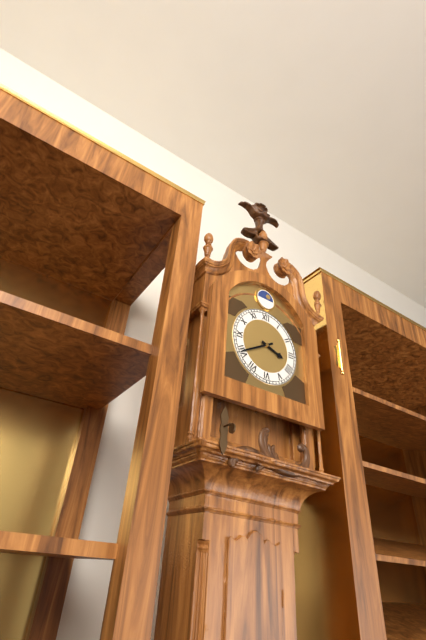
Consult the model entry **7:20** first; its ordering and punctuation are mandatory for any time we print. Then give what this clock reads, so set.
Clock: **3:40**
